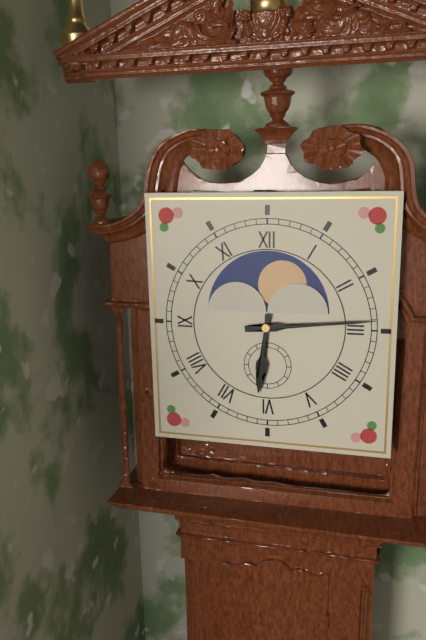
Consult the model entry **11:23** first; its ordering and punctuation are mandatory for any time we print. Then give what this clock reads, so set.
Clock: **6:14**
